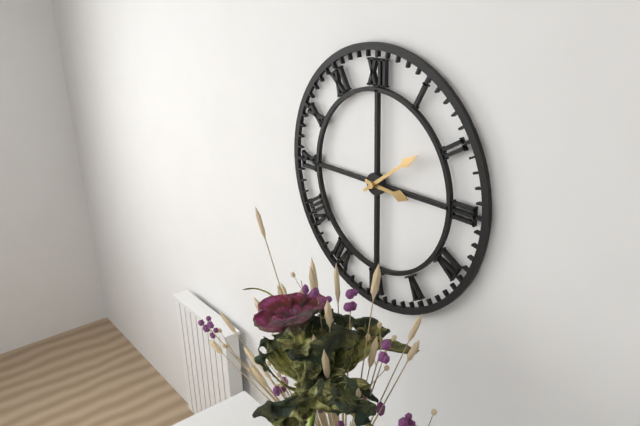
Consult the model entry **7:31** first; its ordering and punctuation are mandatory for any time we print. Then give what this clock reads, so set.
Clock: **3:09**
